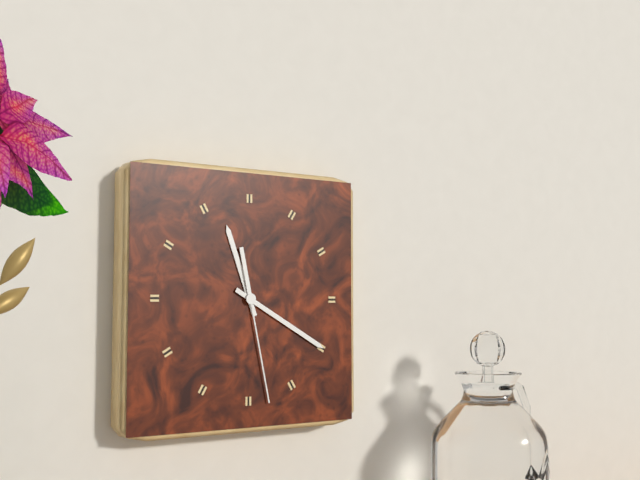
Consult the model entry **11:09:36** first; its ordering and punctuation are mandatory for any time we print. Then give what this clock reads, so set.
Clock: **11:20:28**
